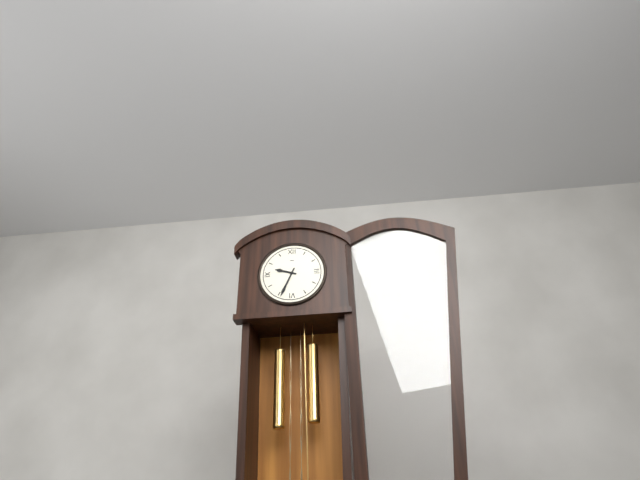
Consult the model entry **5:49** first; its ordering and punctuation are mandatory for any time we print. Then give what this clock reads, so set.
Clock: **9:34**
